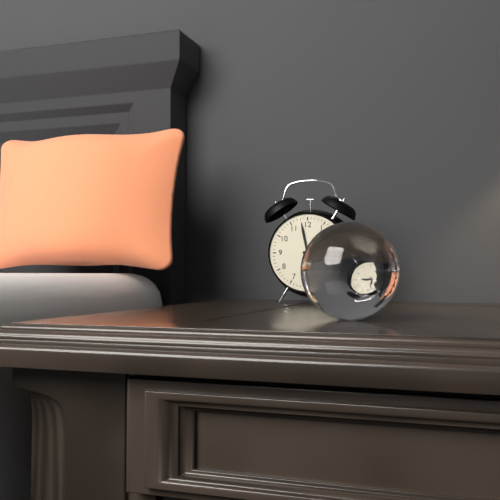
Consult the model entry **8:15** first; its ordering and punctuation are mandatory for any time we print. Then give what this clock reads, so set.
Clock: **2:58**
